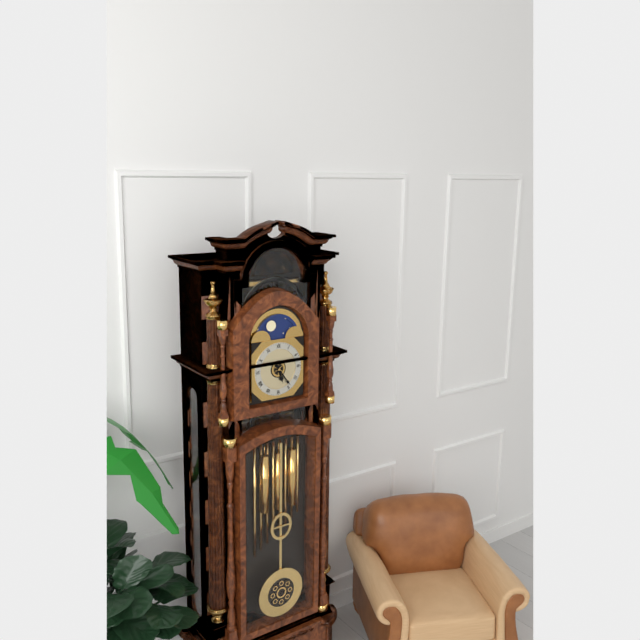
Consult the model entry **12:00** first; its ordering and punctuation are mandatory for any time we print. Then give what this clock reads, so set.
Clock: **5:24**
